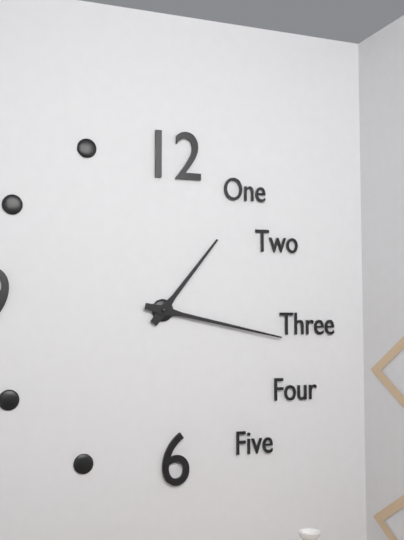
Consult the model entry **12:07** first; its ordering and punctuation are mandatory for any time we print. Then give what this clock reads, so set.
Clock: **1:17**
